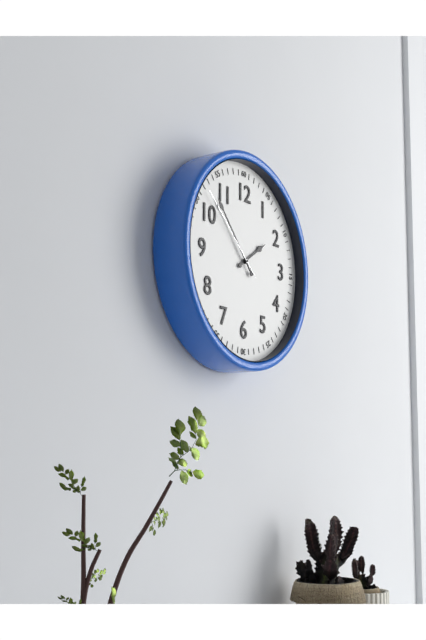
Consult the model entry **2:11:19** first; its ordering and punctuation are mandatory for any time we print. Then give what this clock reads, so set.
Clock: **1:53:52**
